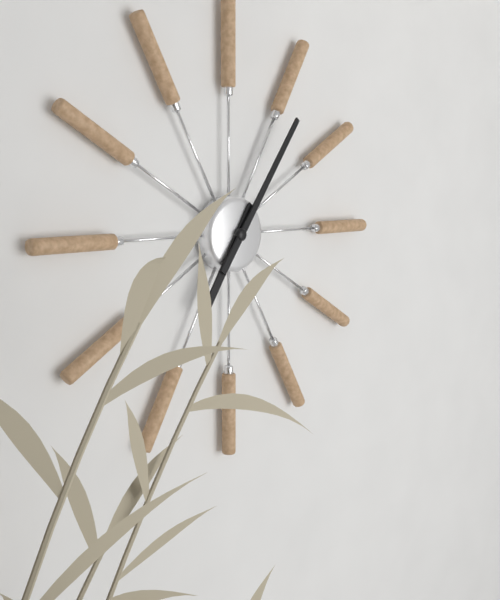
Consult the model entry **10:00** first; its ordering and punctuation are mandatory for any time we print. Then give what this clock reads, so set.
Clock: **7:06**
